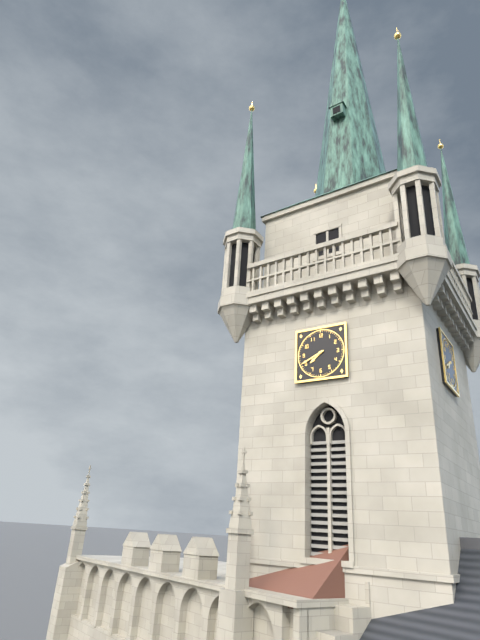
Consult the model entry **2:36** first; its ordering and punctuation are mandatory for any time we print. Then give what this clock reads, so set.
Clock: **7:41**
